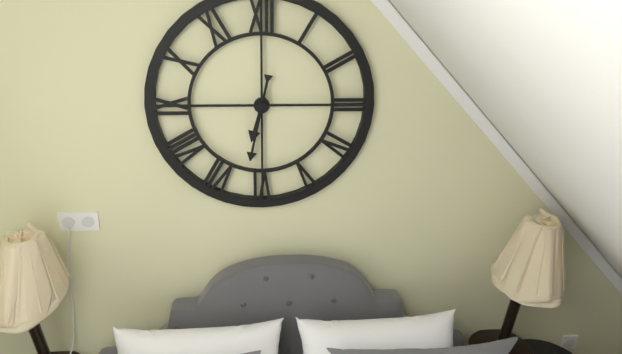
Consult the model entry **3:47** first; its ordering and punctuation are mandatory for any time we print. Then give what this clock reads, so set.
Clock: **6:32**
